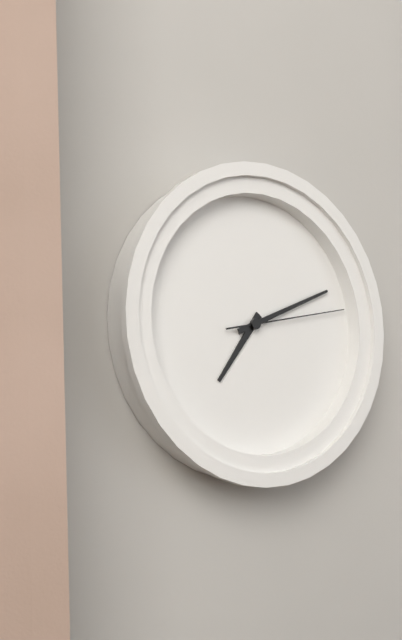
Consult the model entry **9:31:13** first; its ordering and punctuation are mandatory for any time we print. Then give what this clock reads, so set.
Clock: **7:11:13**
